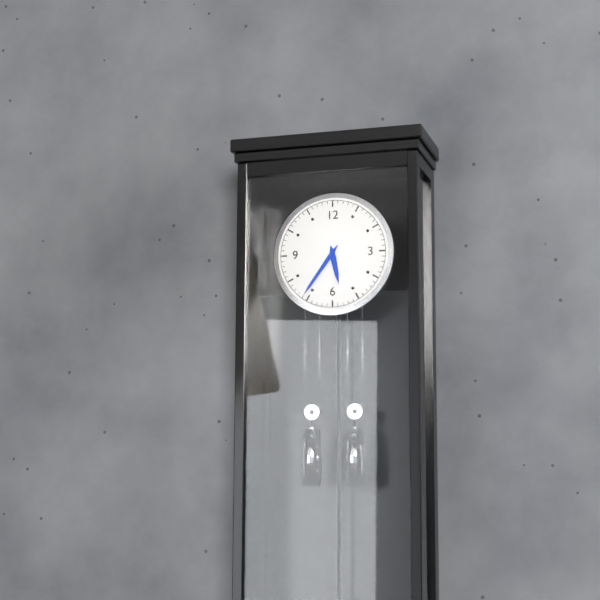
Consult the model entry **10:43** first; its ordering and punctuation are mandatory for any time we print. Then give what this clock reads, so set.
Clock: **5:36**
